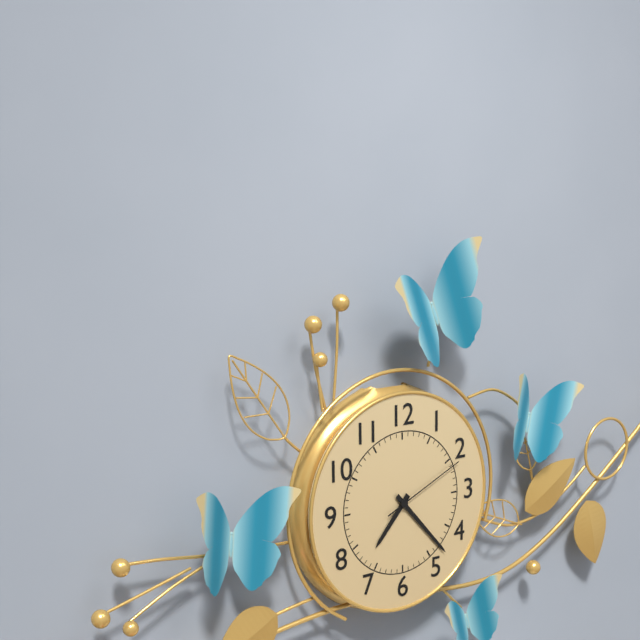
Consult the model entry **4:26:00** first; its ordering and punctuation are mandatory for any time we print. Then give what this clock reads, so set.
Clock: **7:23:11**
